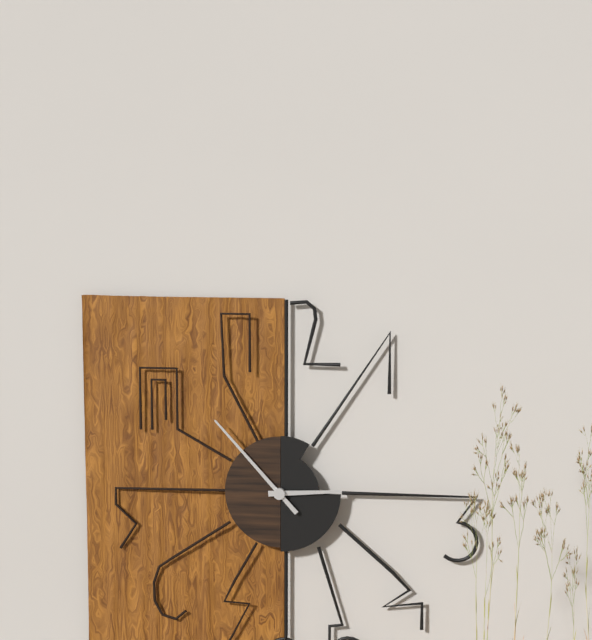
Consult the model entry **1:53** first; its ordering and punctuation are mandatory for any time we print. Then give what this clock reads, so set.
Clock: **2:53**
